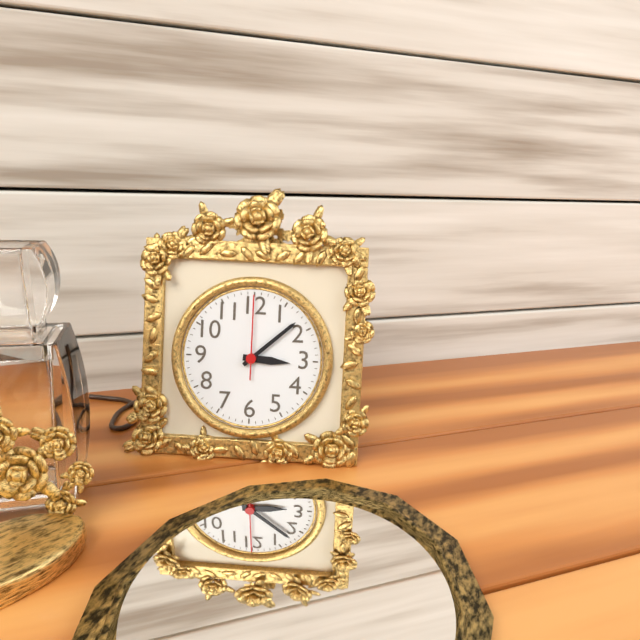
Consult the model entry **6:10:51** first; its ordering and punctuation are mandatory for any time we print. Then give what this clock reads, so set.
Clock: **3:08:00**
